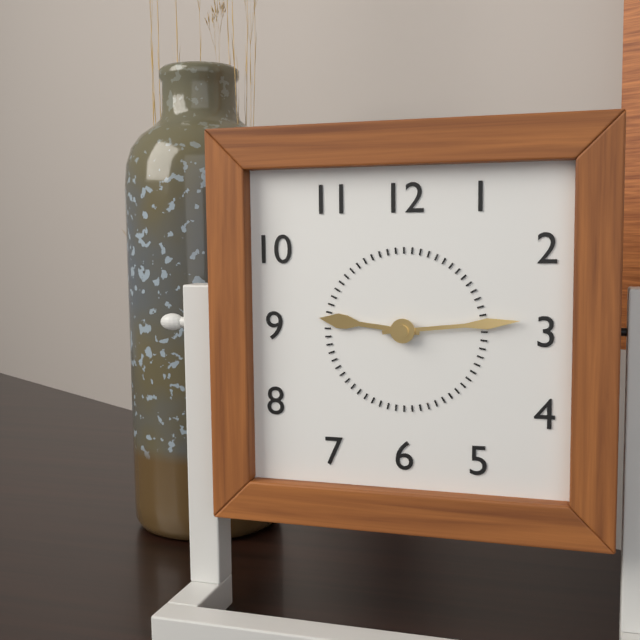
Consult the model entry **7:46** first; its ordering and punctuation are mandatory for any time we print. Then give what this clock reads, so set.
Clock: **9:14**
